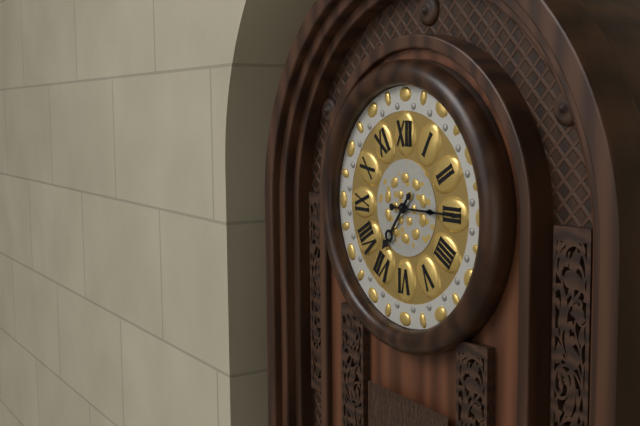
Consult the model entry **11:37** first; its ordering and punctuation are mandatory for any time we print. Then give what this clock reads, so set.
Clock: **7:15**
